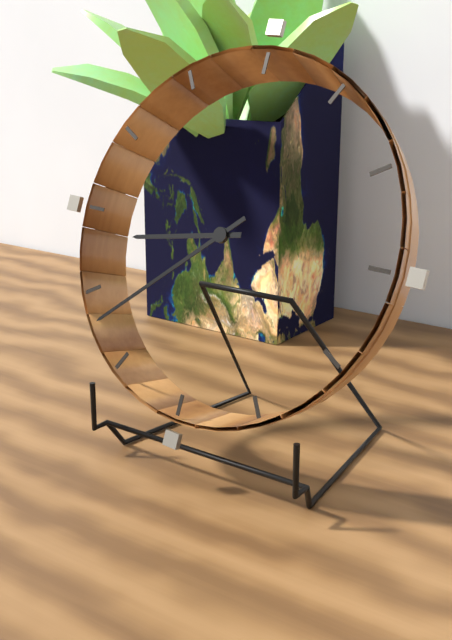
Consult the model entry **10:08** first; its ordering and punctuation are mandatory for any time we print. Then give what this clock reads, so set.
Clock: **8:38**
